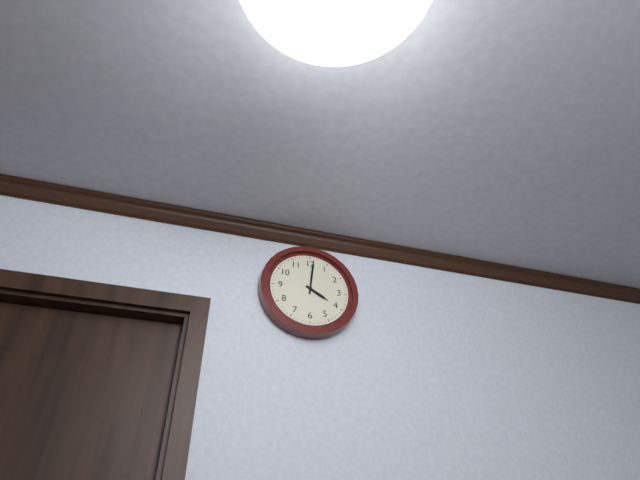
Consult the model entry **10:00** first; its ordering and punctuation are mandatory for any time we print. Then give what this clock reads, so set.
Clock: **4:01**
